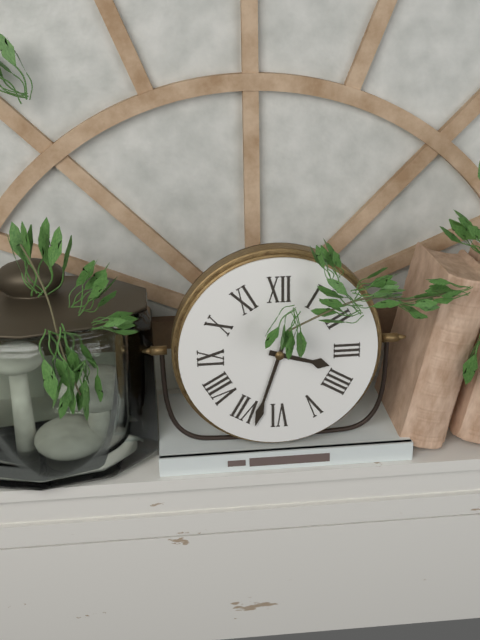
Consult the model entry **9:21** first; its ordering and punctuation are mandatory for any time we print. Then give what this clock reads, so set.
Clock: **3:33**
